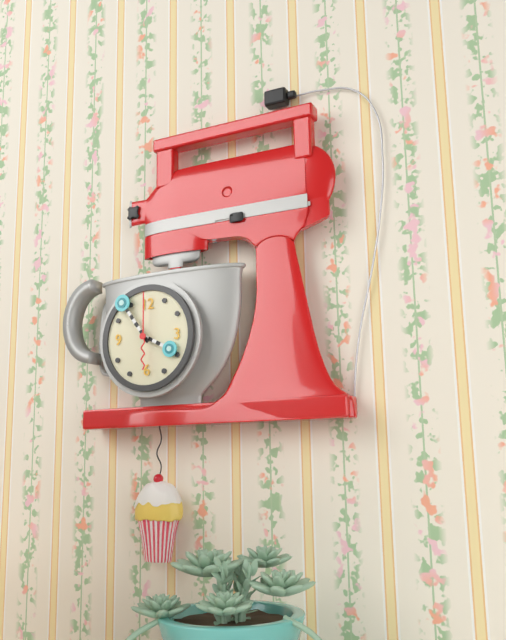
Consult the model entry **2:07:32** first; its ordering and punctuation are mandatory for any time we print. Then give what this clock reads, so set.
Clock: **3:54:00**
